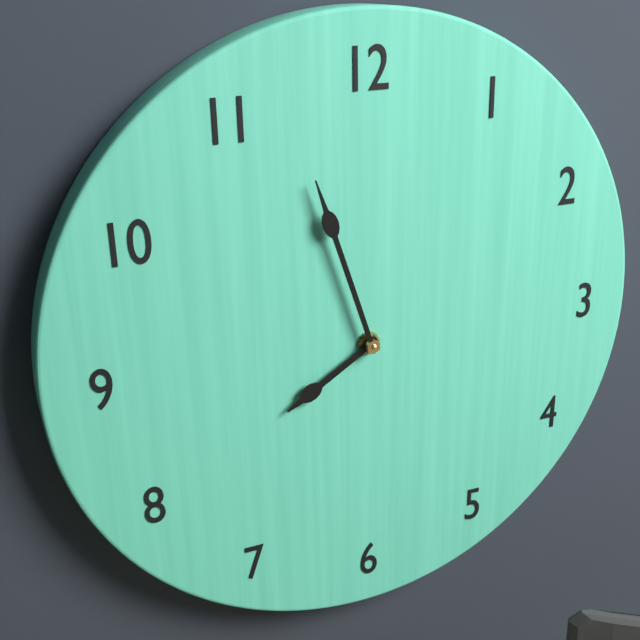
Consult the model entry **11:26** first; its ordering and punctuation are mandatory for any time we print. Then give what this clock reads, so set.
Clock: **7:57**
